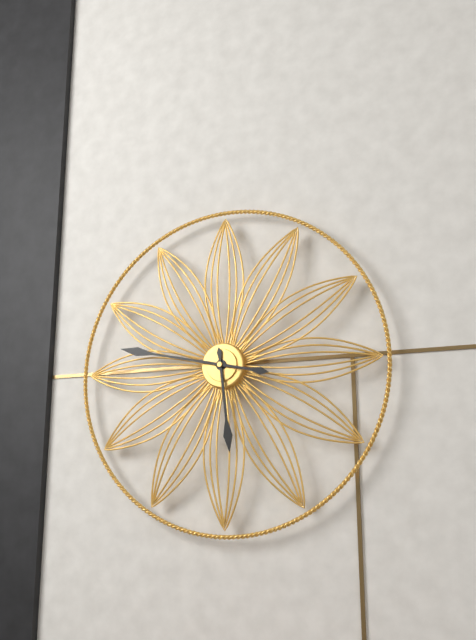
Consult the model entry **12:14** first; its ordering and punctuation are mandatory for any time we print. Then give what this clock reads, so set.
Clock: **5:47**
